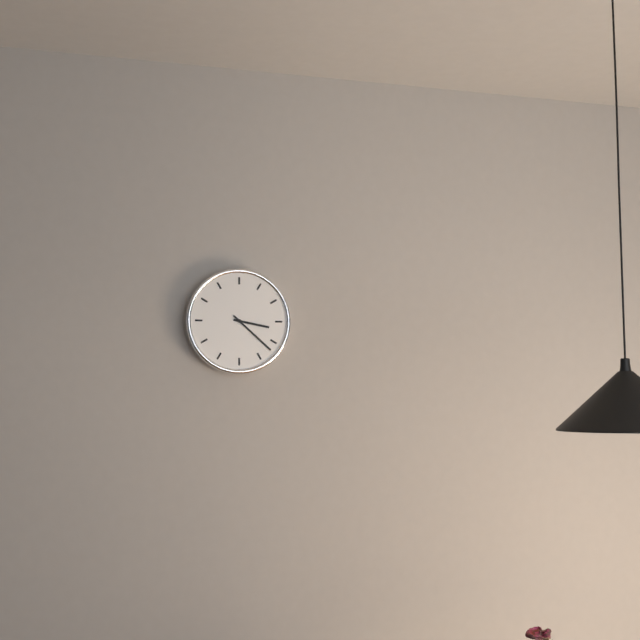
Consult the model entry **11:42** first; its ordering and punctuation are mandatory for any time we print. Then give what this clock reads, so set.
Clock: **3:22**
